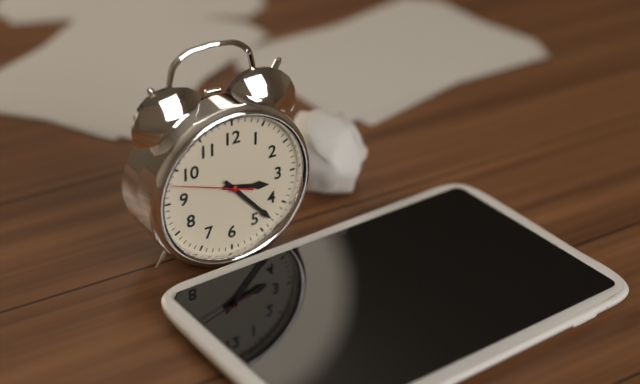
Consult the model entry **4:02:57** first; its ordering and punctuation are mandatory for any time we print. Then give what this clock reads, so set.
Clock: **3:23:48**
